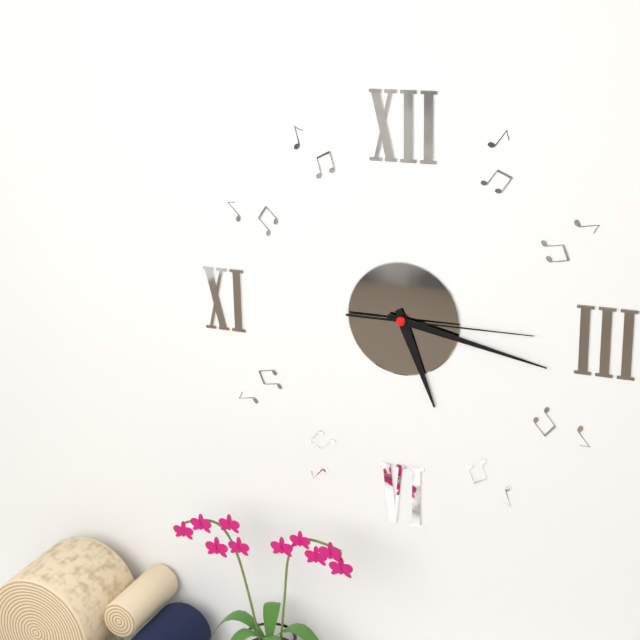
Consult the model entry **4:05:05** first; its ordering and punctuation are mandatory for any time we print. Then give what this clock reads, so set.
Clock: **5:17:15**
